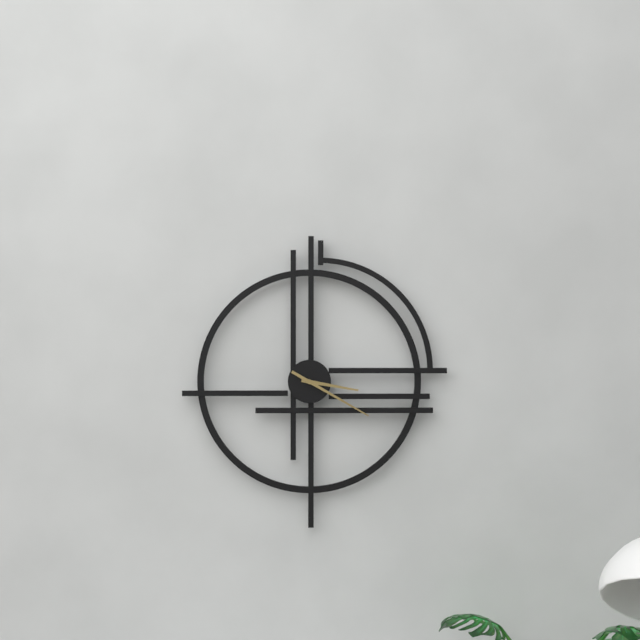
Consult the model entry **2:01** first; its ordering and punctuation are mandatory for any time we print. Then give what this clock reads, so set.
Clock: **3:20**
